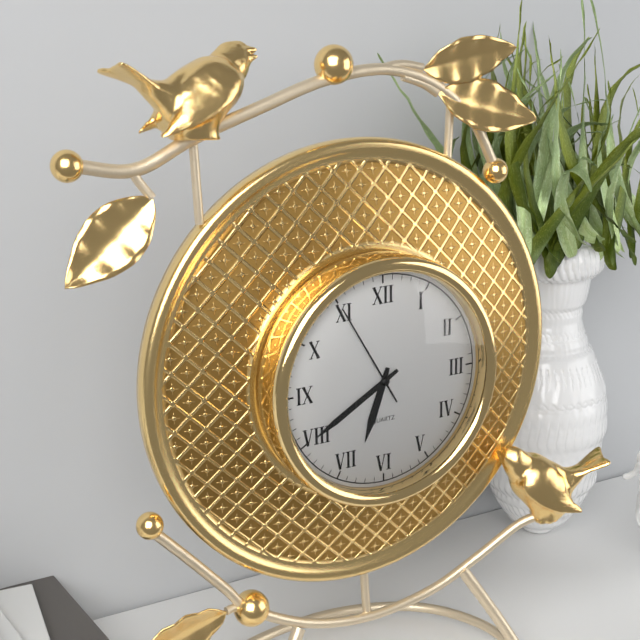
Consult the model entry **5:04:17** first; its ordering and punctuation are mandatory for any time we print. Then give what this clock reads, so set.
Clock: **6:40:55**
